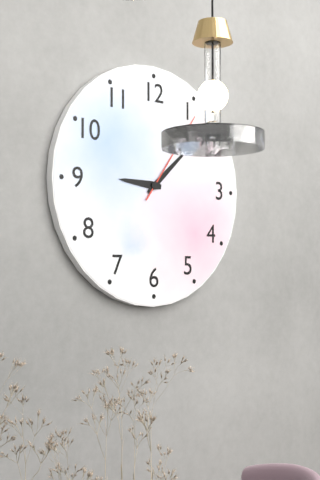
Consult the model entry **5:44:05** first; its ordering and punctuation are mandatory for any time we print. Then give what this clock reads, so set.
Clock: **9:08:06**
